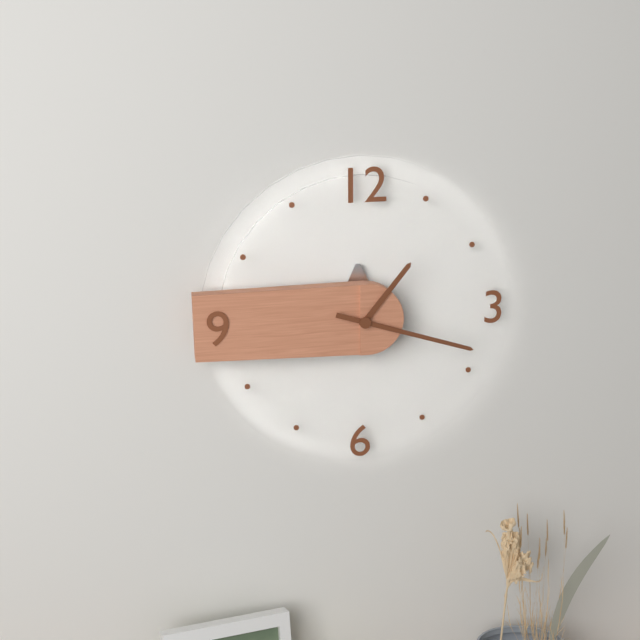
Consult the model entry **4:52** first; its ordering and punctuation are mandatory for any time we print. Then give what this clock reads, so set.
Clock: **1:18**
